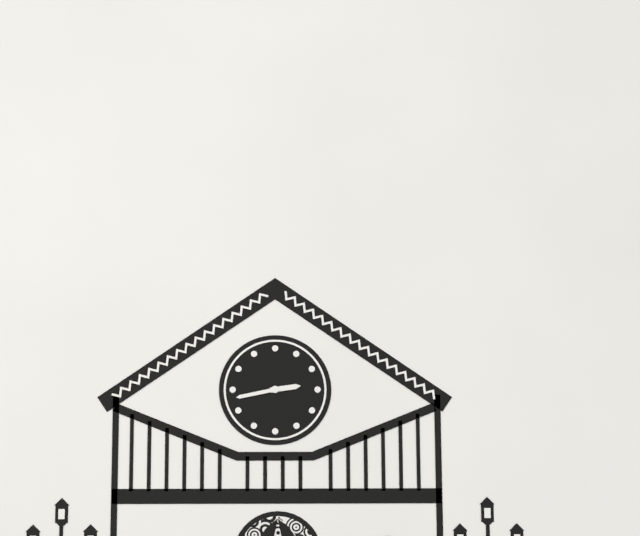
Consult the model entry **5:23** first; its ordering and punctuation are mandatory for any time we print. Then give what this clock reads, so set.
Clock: **2:43**
